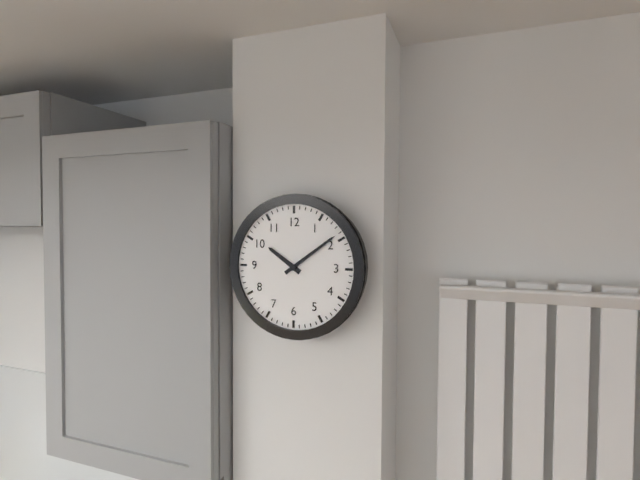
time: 10:09
